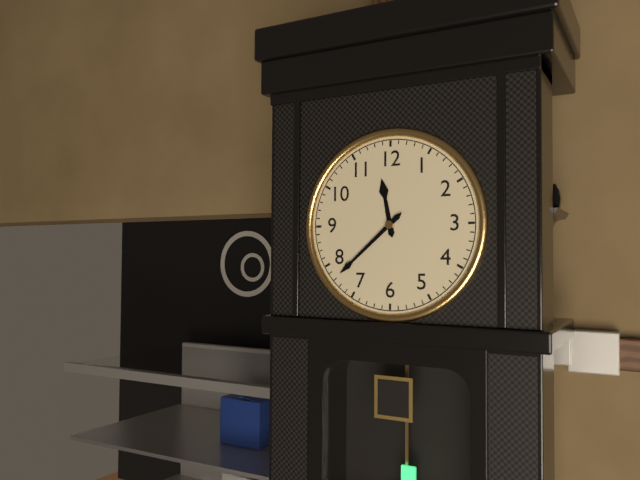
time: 11:38
